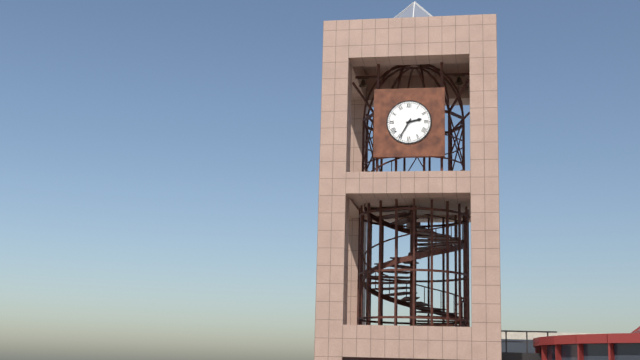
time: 2:35
